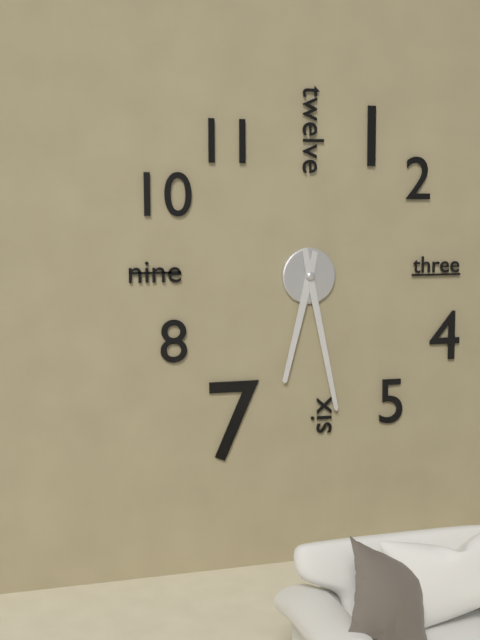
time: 6:28
